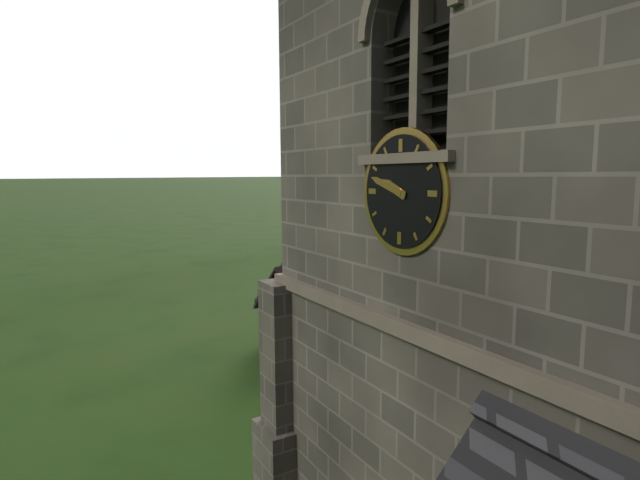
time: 9:48
